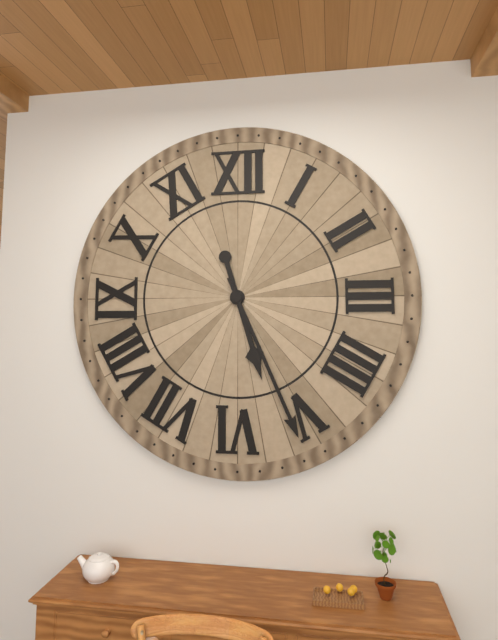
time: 5:26
